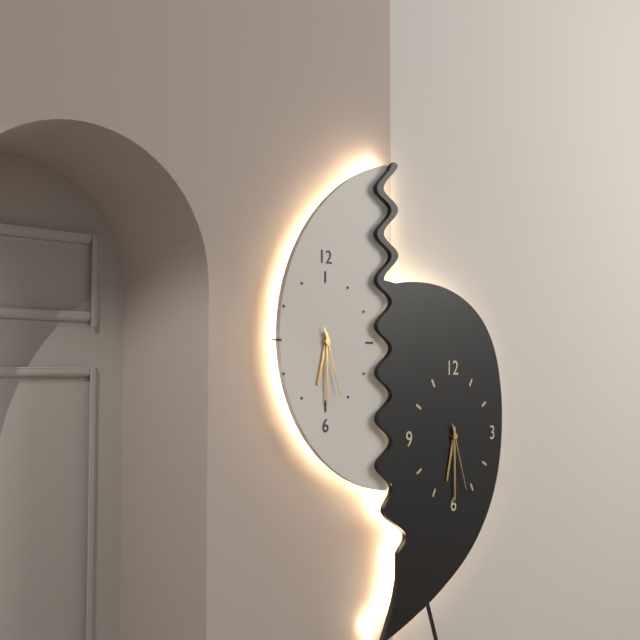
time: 6:30:27
